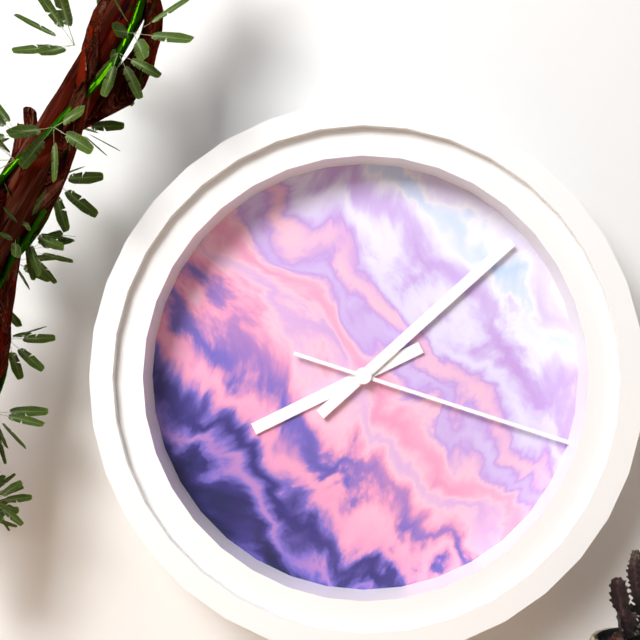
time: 8:08:18
